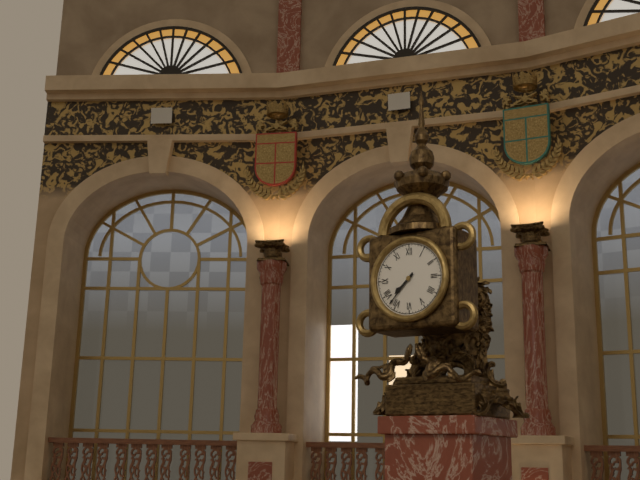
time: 7:37
